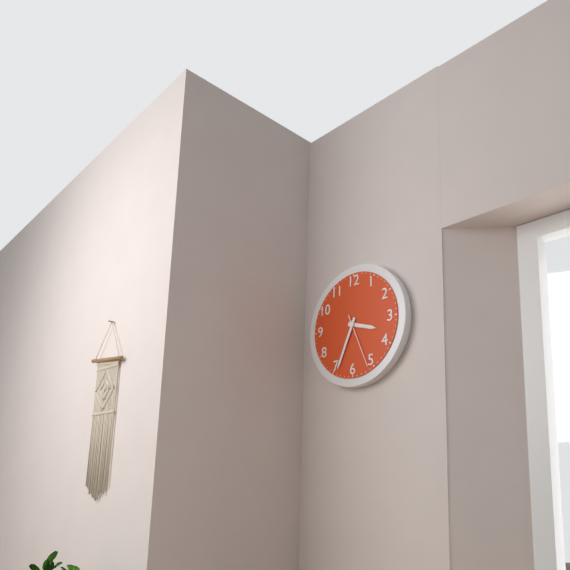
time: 3:34:26
